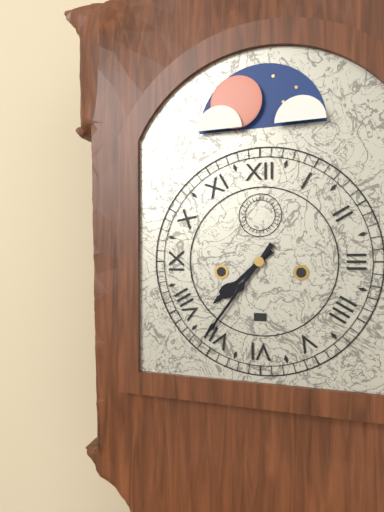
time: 7:36
